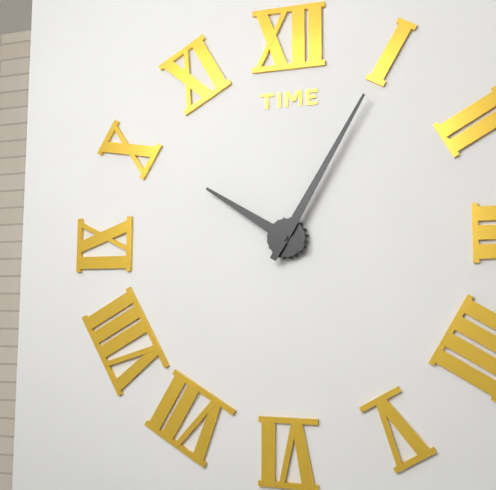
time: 10:05
